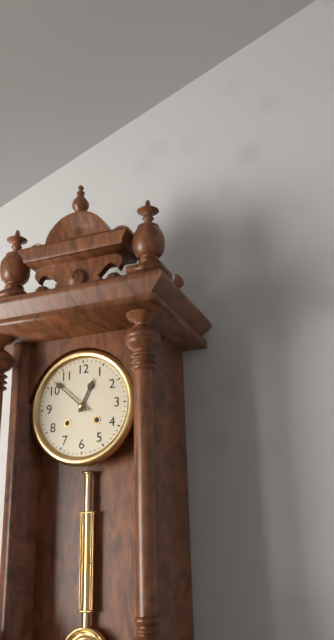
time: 12:52
